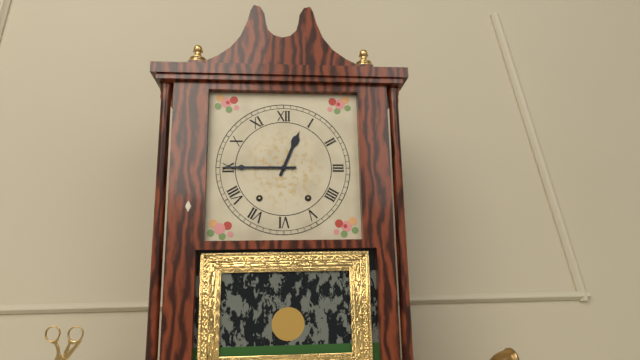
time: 12:45
